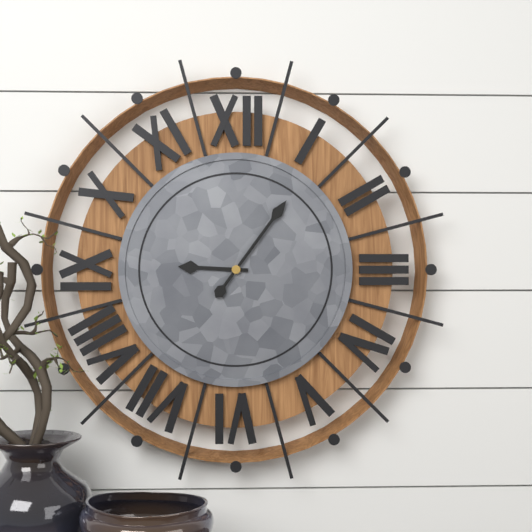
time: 9:06
